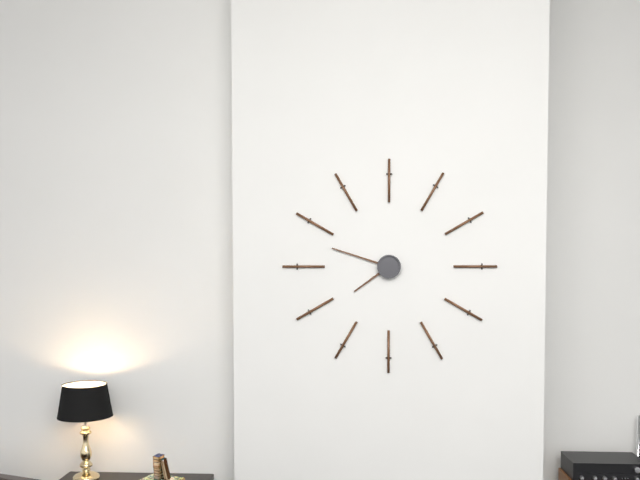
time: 7:48
